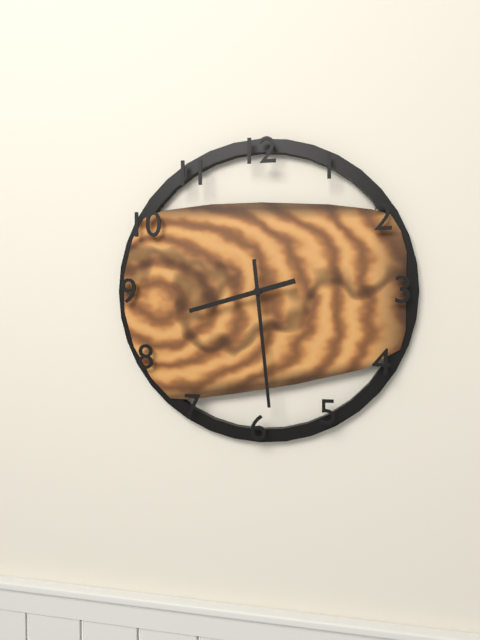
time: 8:29
